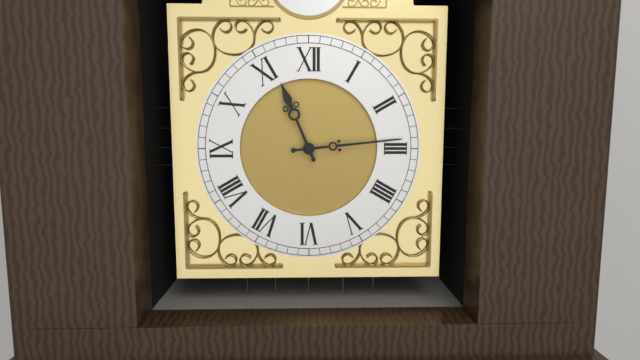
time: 11:14
